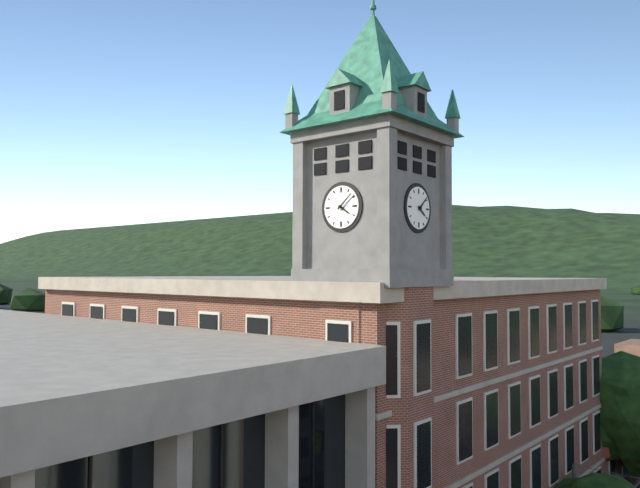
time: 4:08
